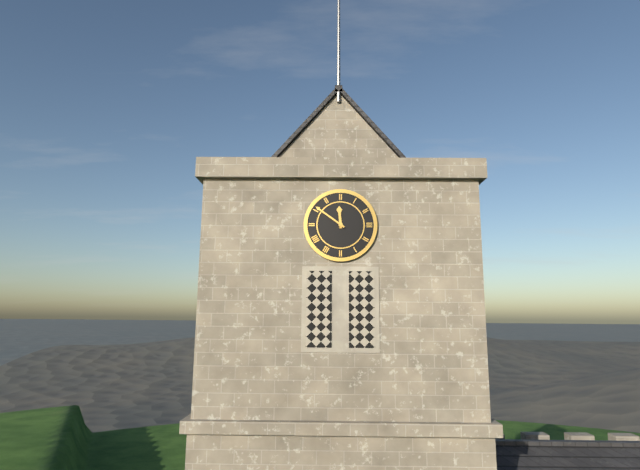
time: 11:51
